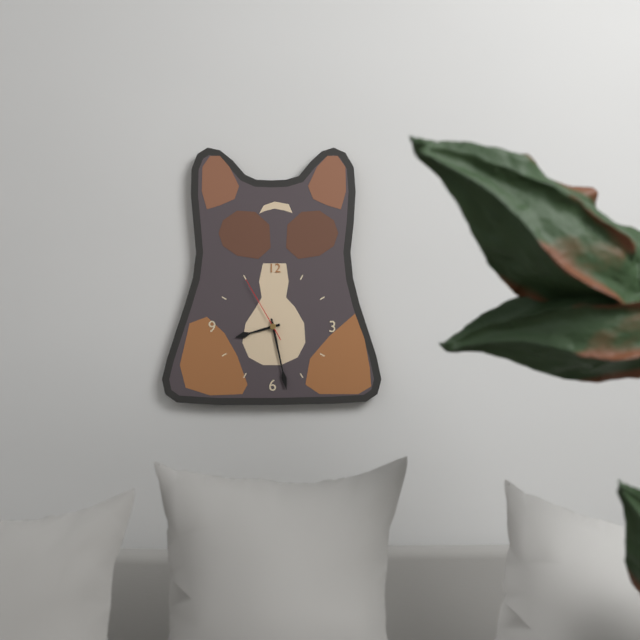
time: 8:28:55
